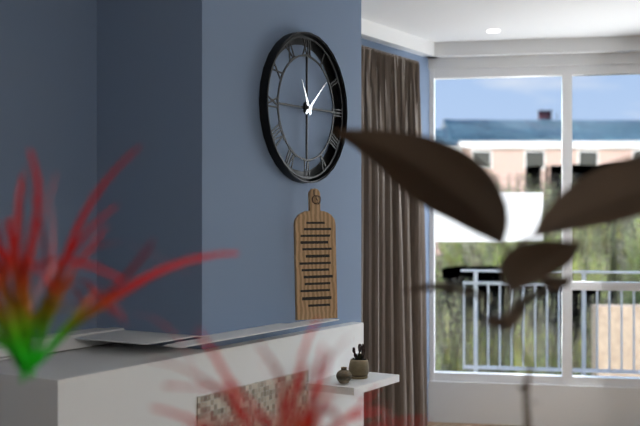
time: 11:08
